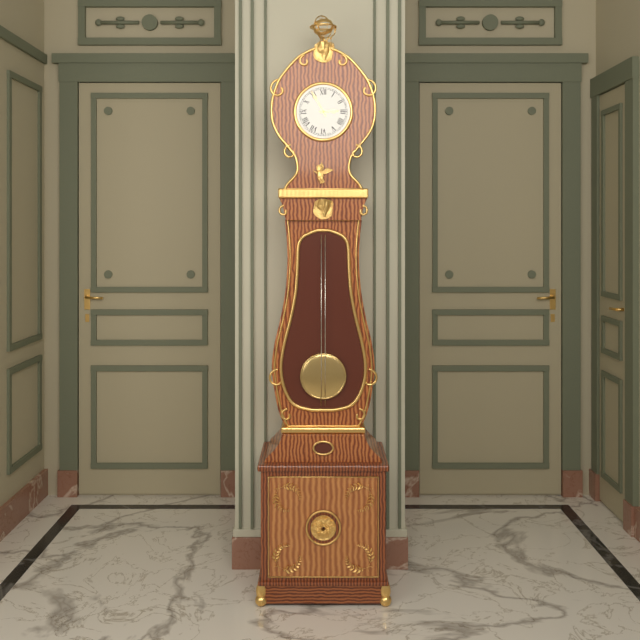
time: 2:55
